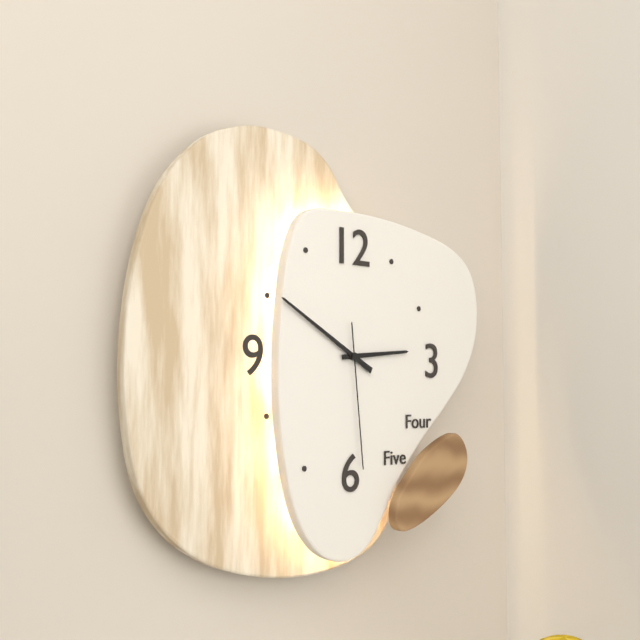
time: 2:50:29
